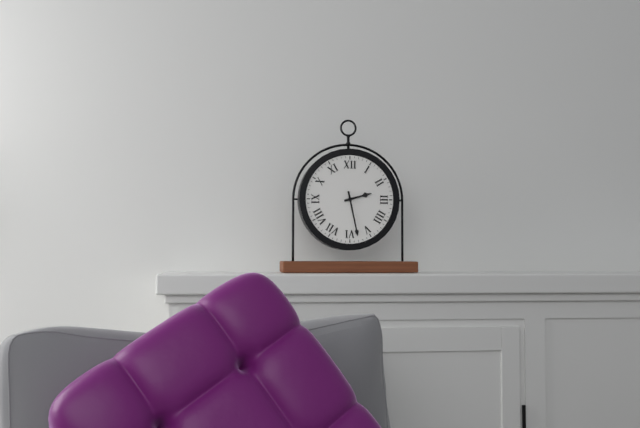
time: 2:28
